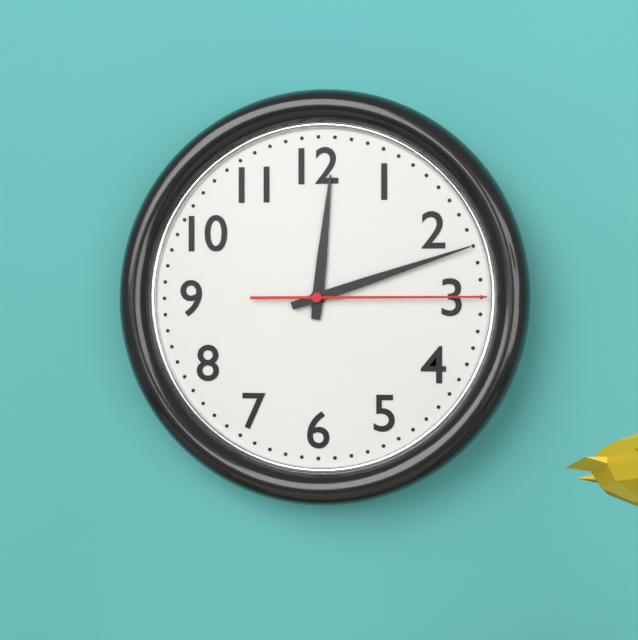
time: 12:12:15
